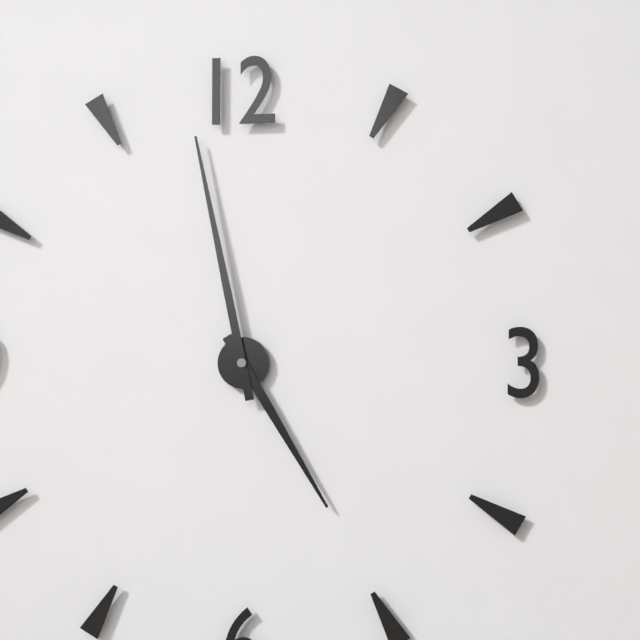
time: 4:58
